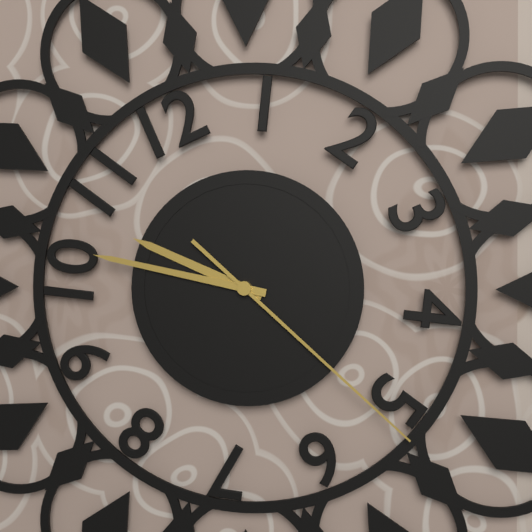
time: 9:47:22
